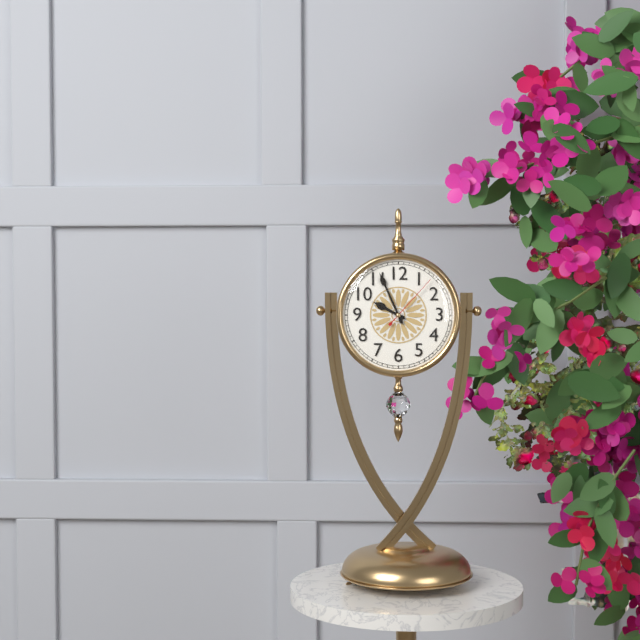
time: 9:56:07
